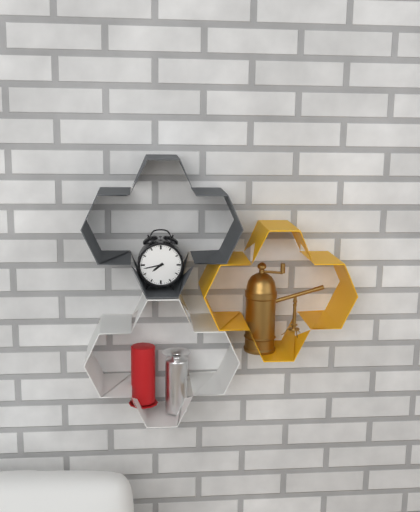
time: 7:43
